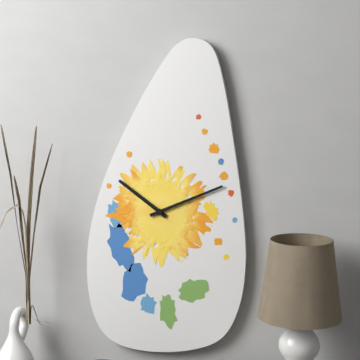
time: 10:11
